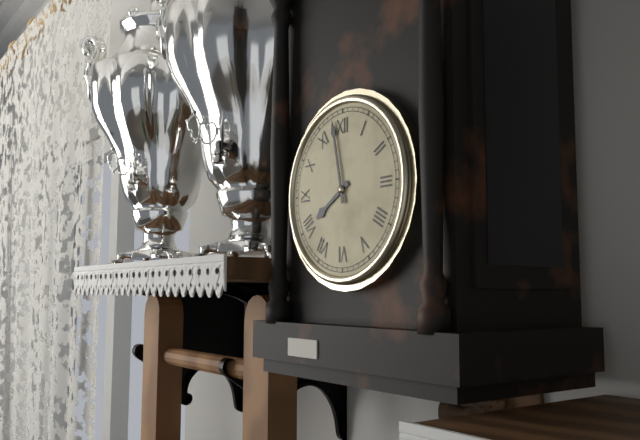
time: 7:58
